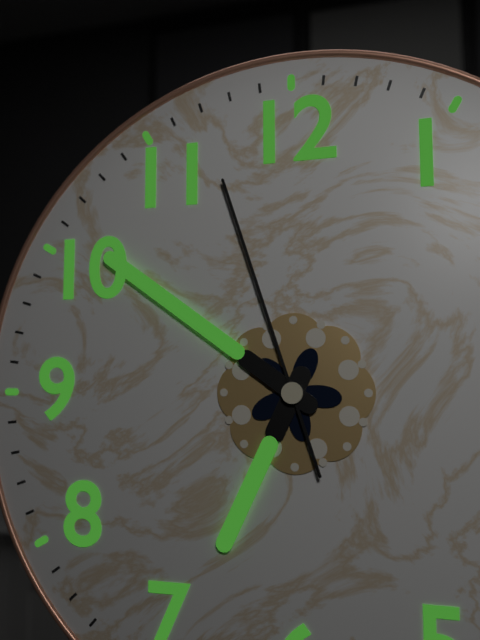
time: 6:51:57
